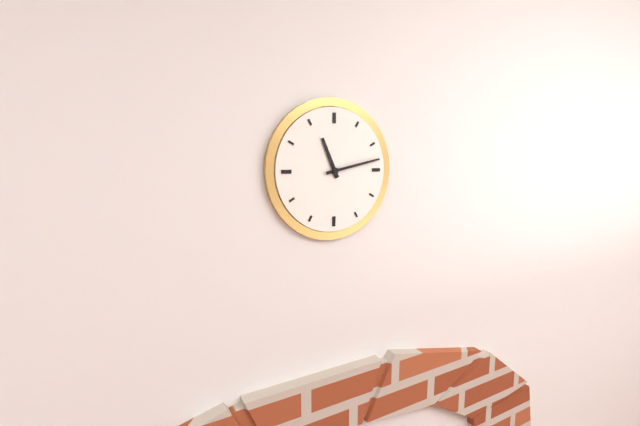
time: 11:13
